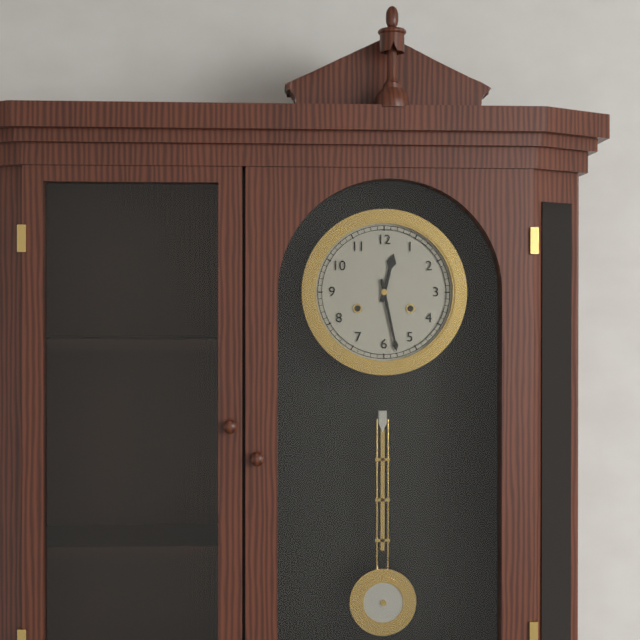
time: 12:28
